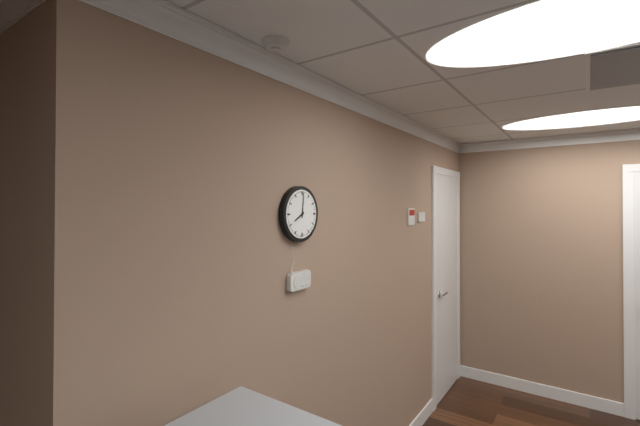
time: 8:01
